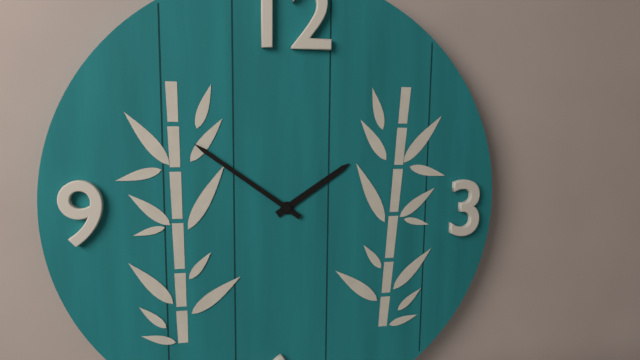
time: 1:51
